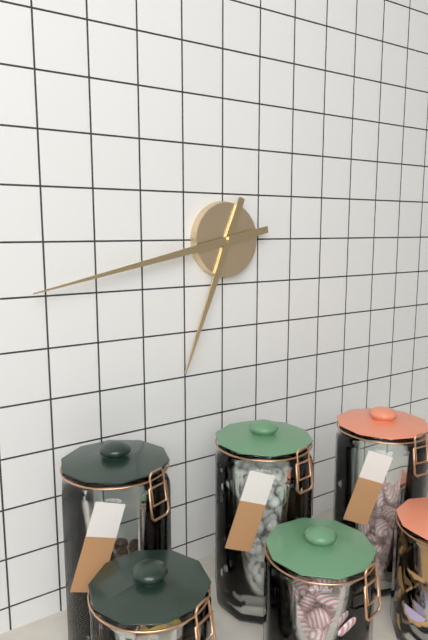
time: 6:43
